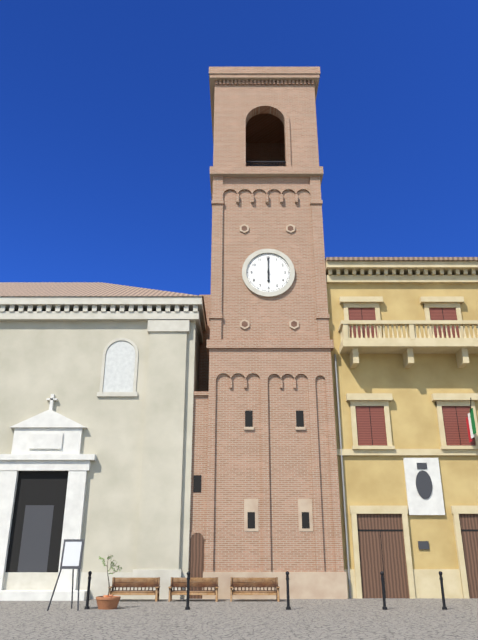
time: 6:00
